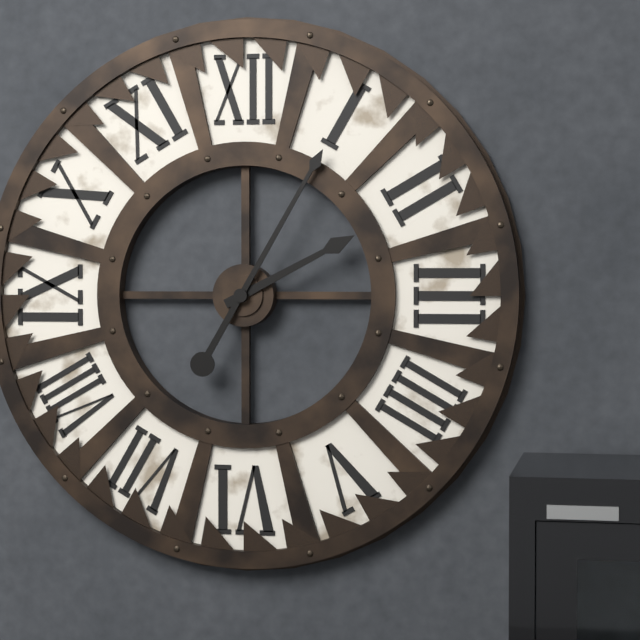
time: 2:05
